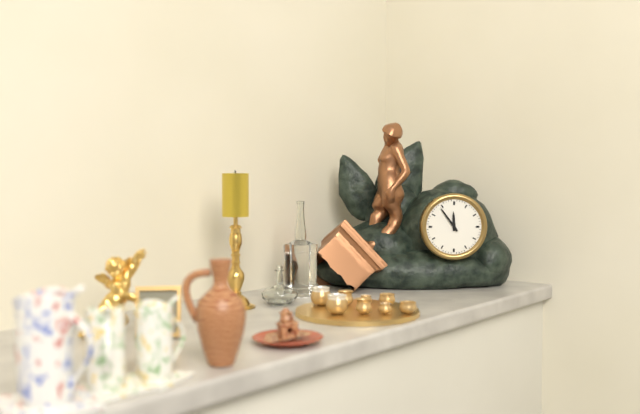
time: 11:54
